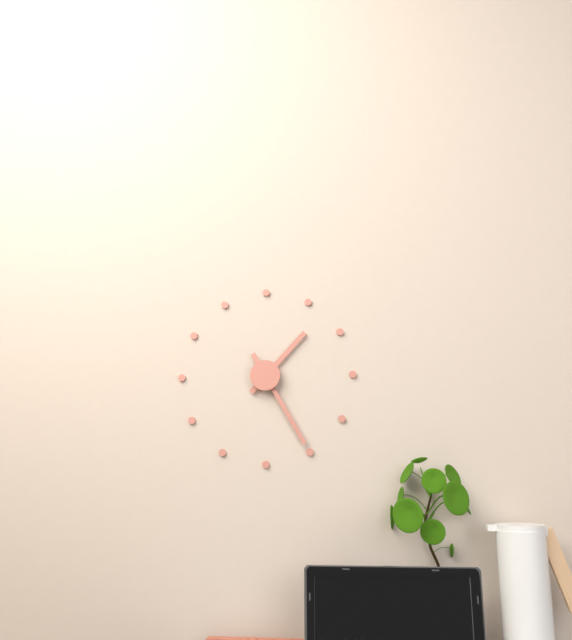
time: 1:25
